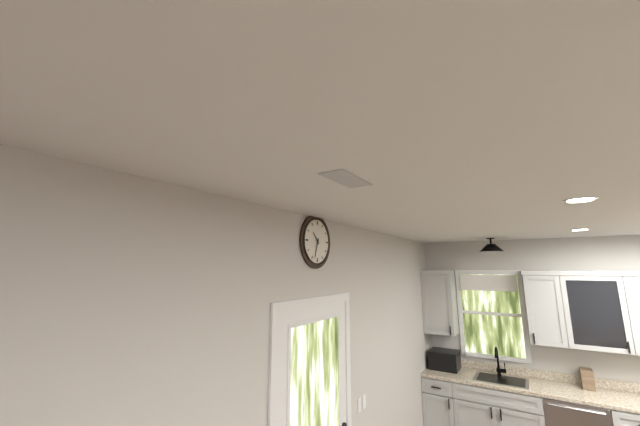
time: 10:33
